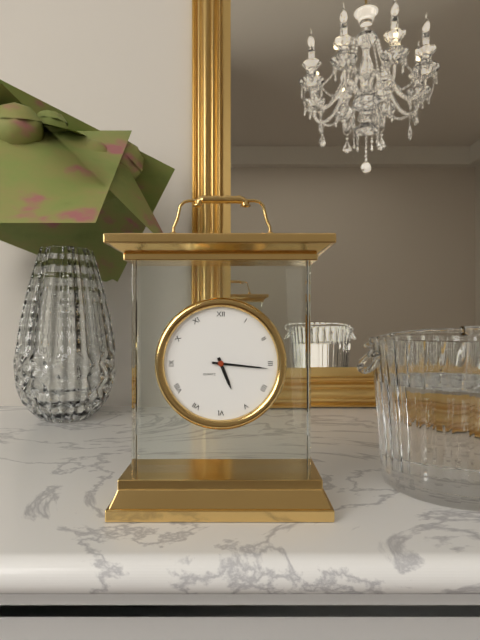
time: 5:16
